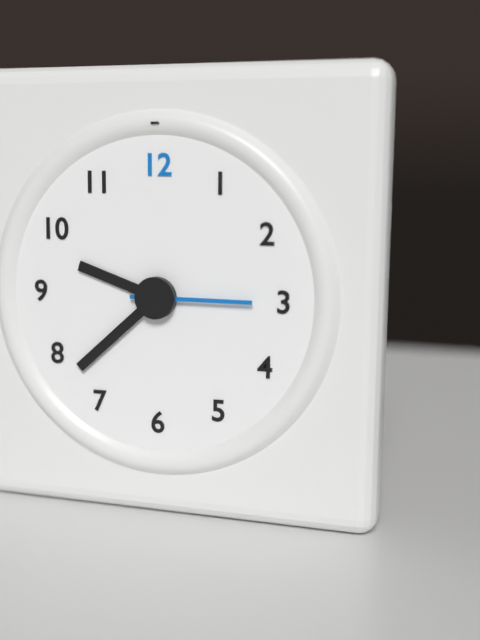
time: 9:38:15
